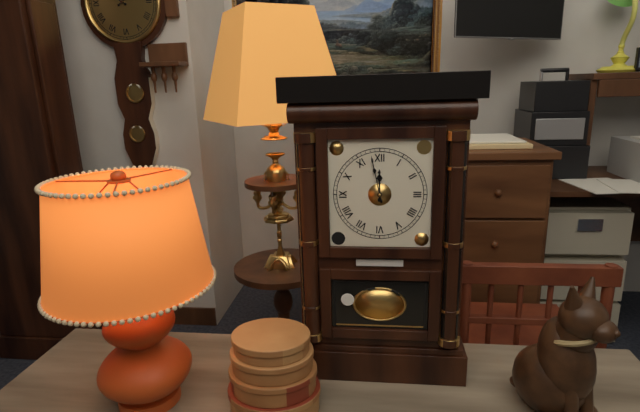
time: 11:58
